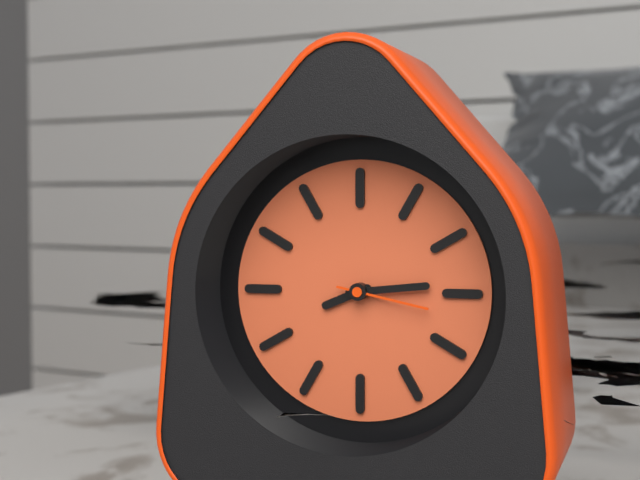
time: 8:14:17
